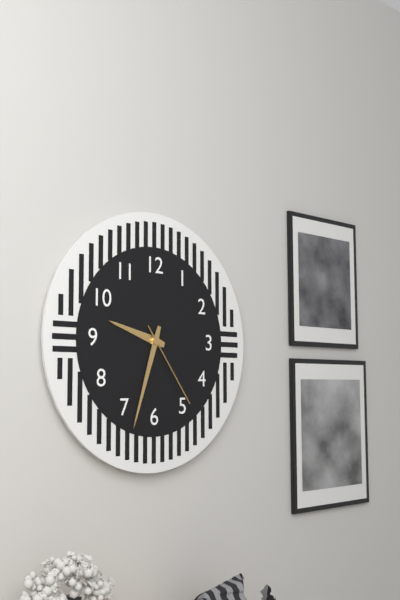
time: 9:33:24
